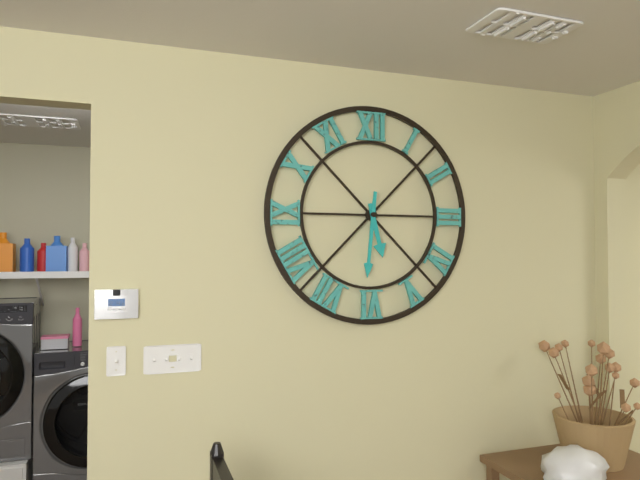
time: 5:31
